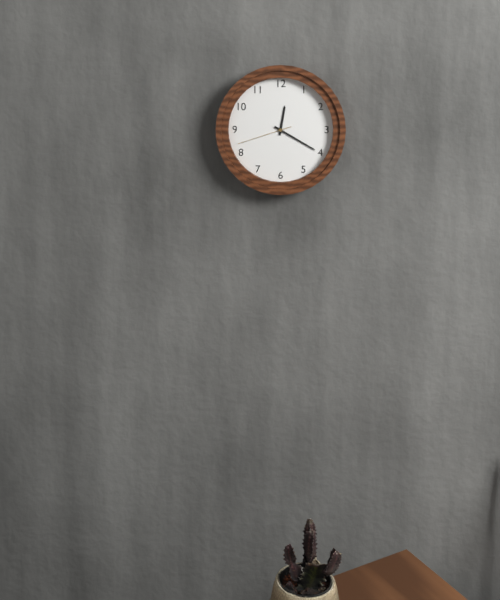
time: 12:20:42
